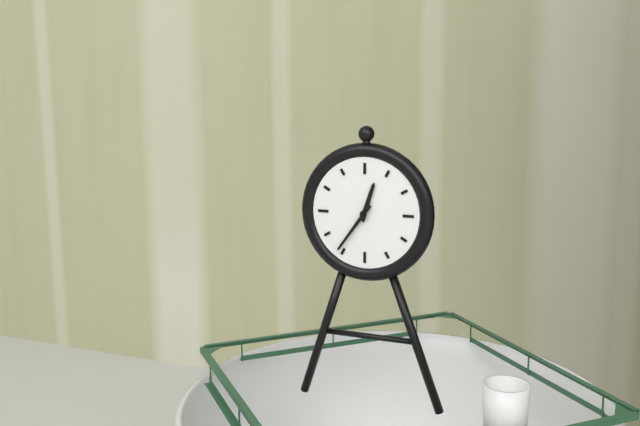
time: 12:36
